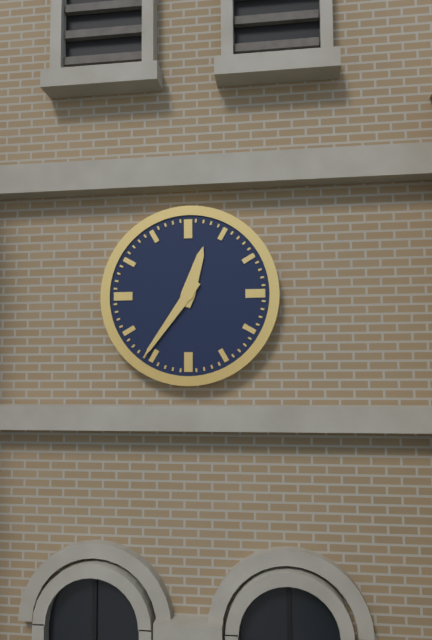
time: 12:36
